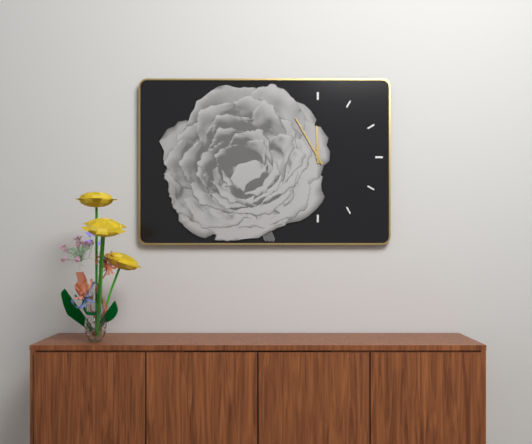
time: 11:55
